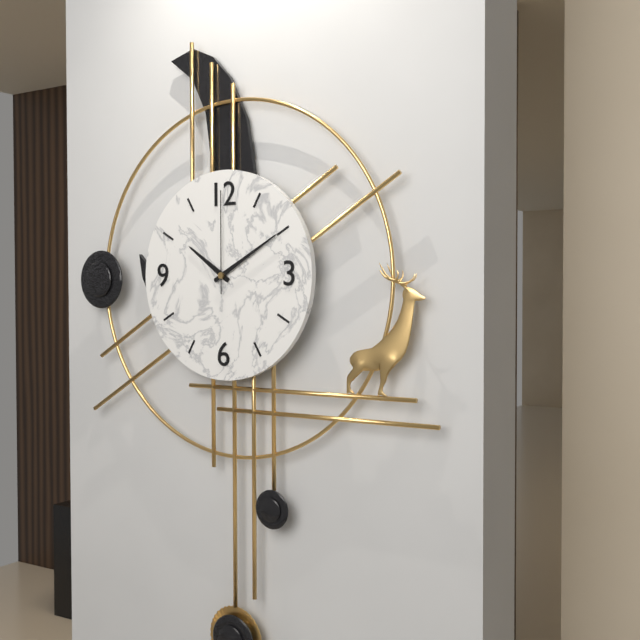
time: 10:10:00
